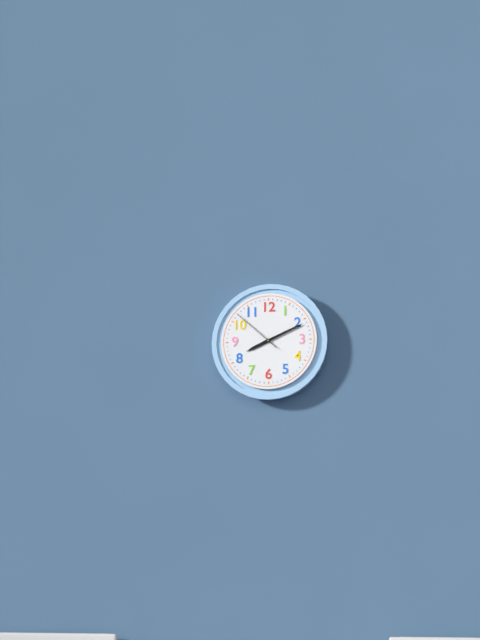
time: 8:11:52
